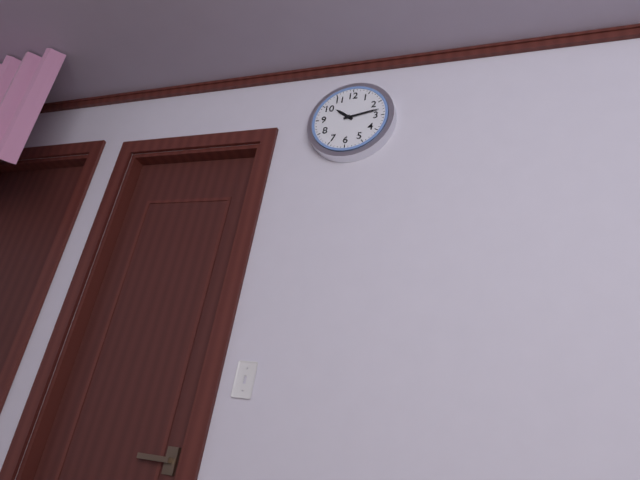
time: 10:13
